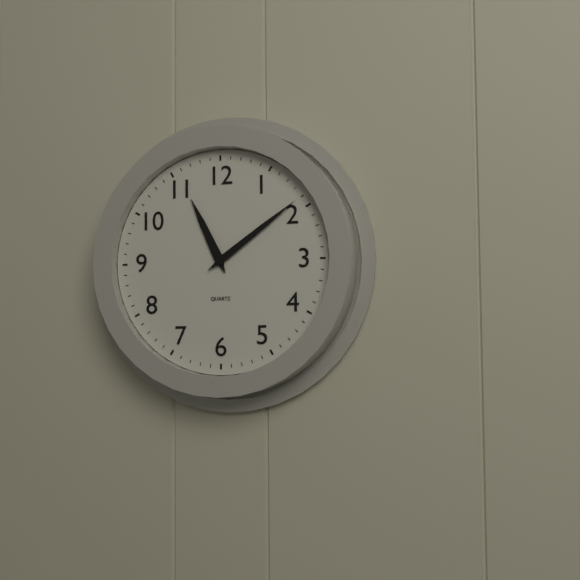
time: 11:09
